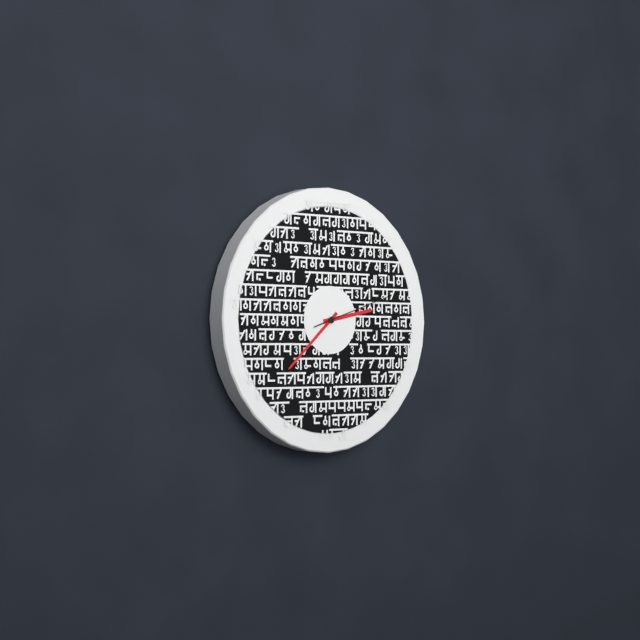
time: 2:38:12
